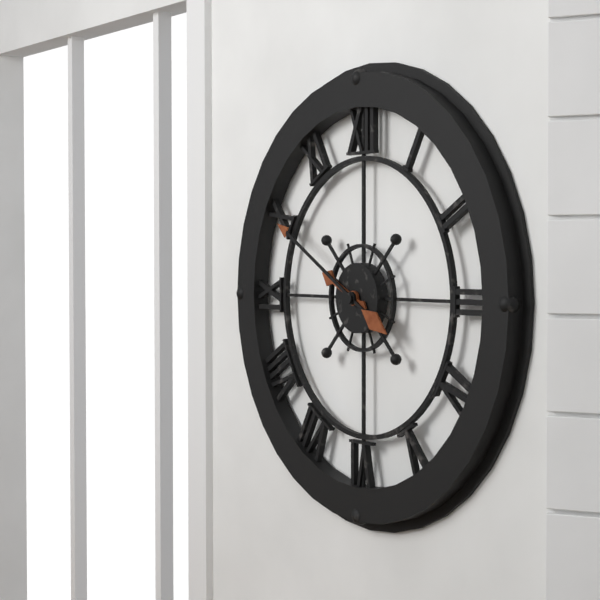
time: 9:50
